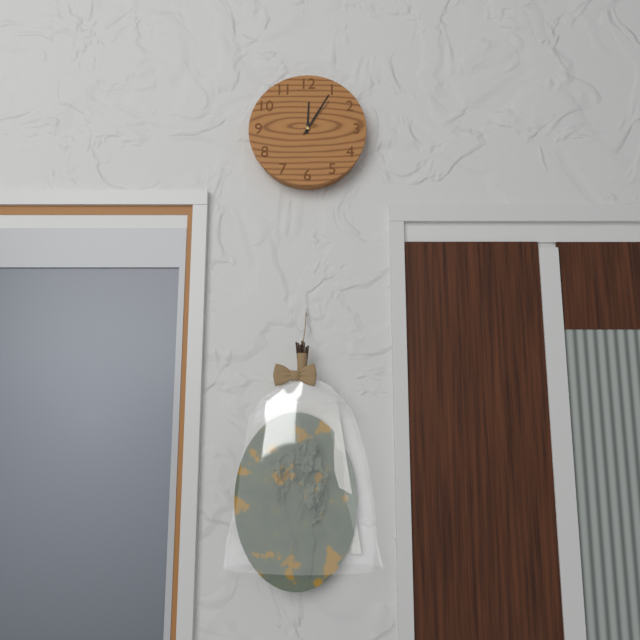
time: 12:05
